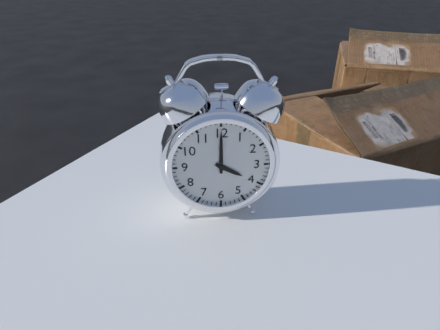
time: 4:00
